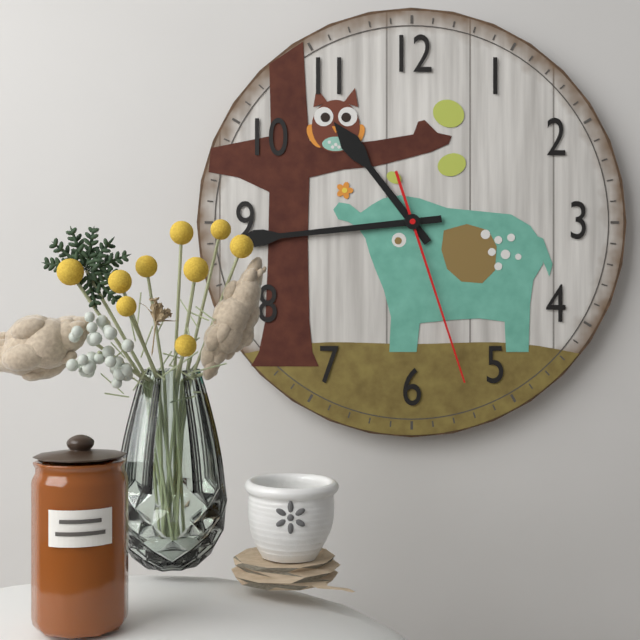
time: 10:44:27
